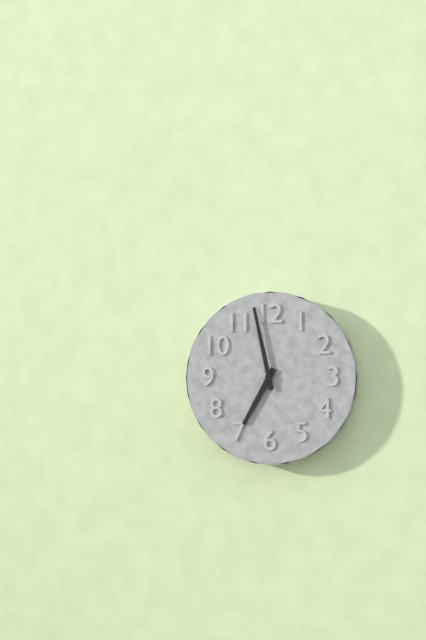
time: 6:58
